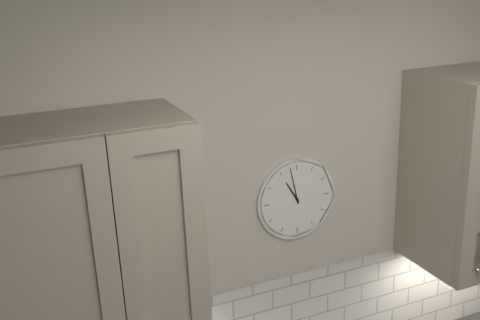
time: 10:58
